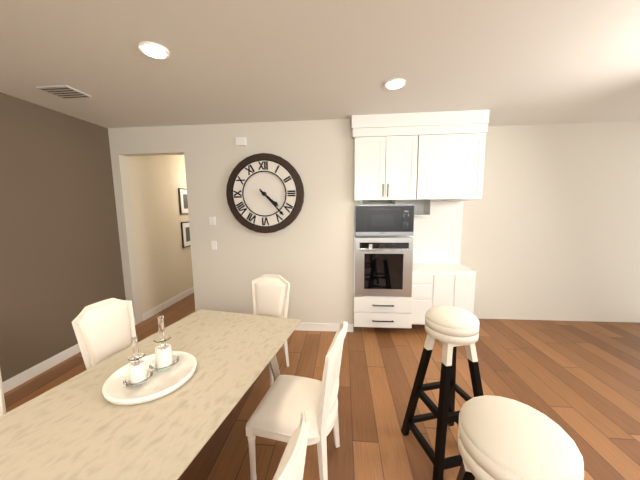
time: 4:23
